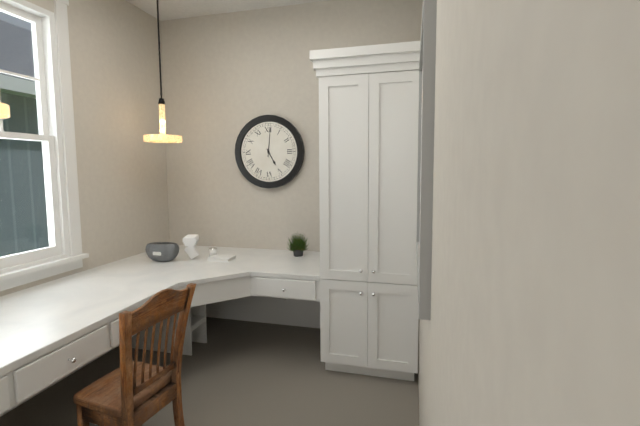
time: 5:01
